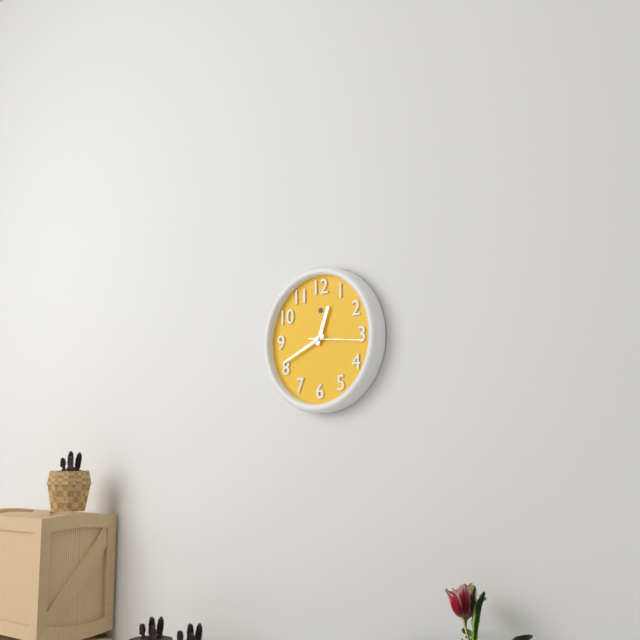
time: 12:41:16
